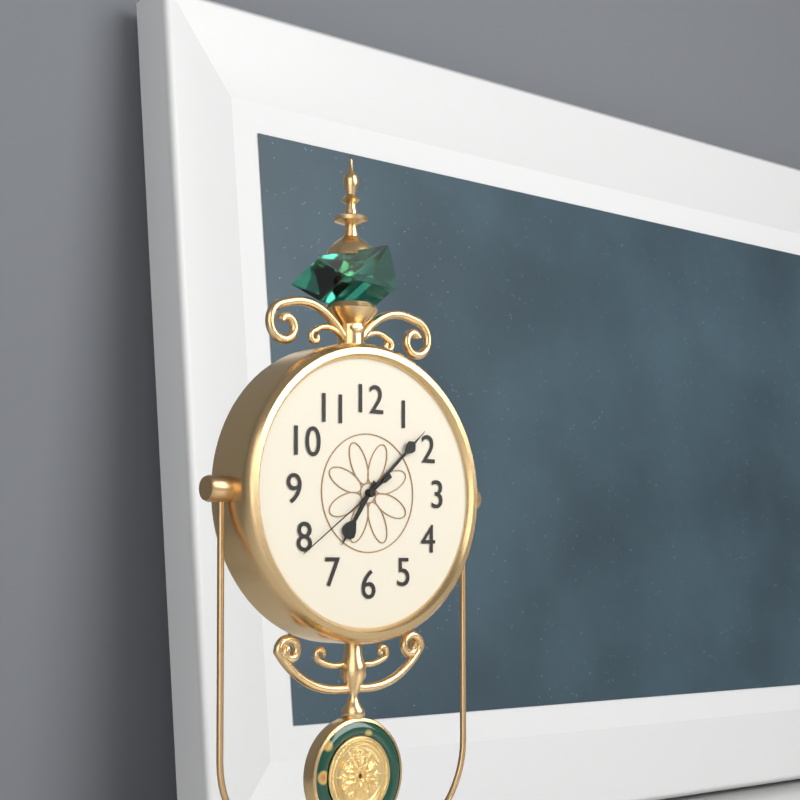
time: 7:08:39
